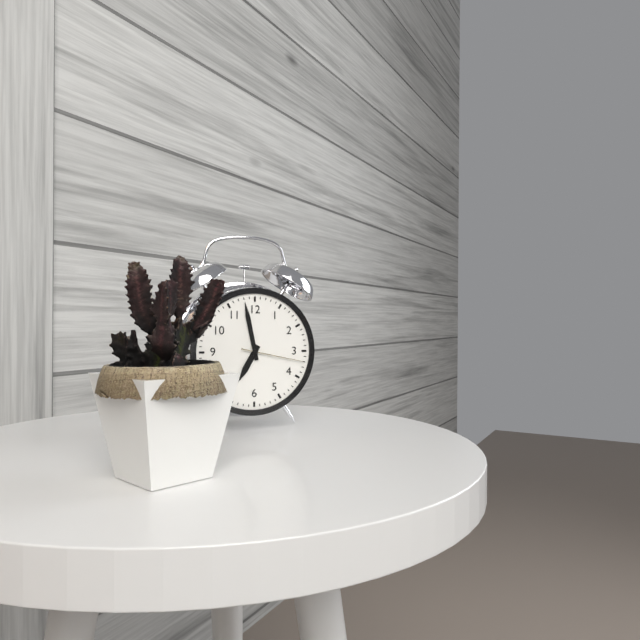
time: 6:58:17
